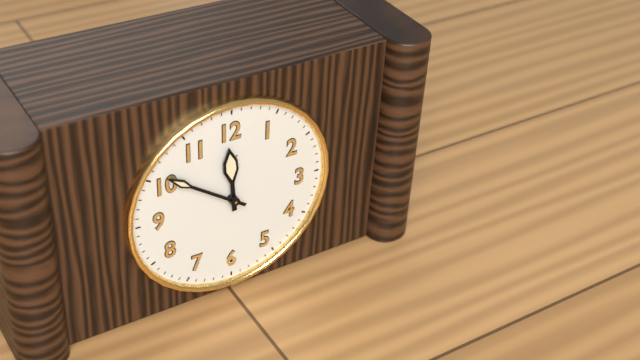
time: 11:51
